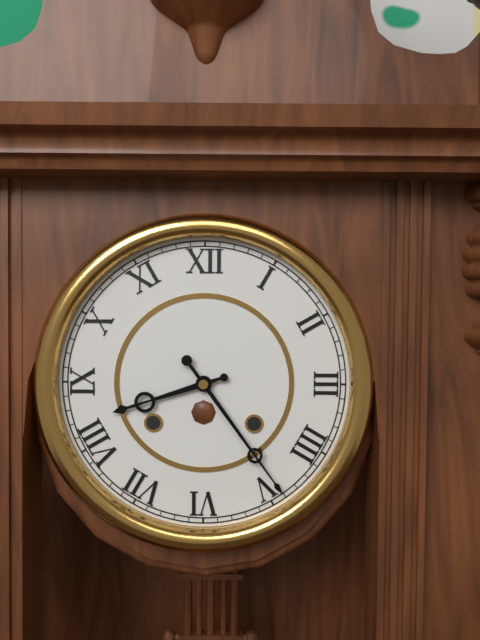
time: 8:24
